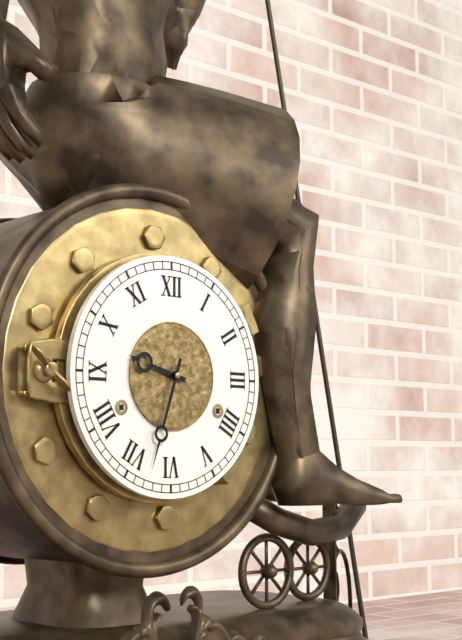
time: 9:33
